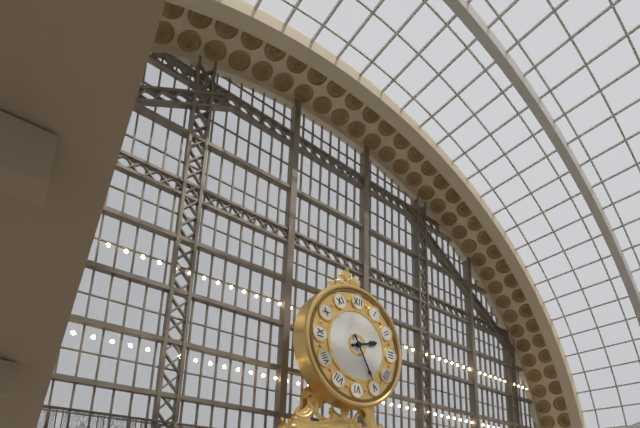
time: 2:25
